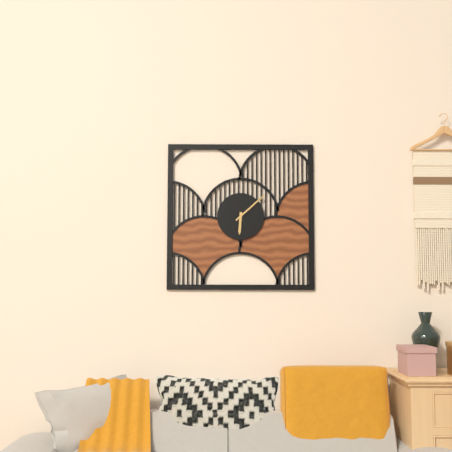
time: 6:08
